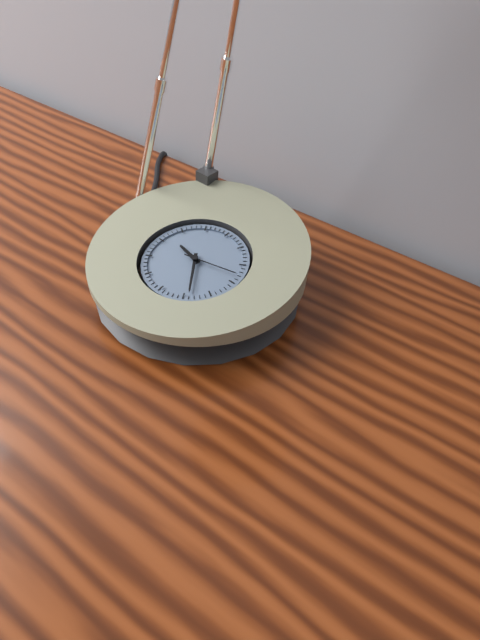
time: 9:24:13
